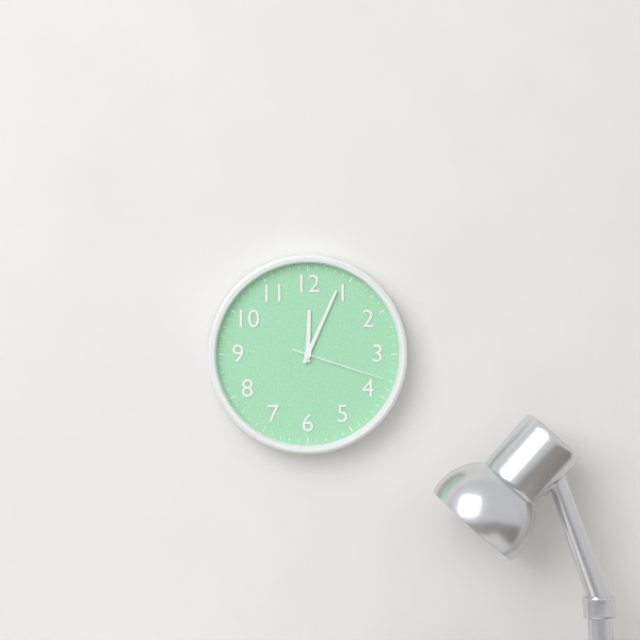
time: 12:04:18
